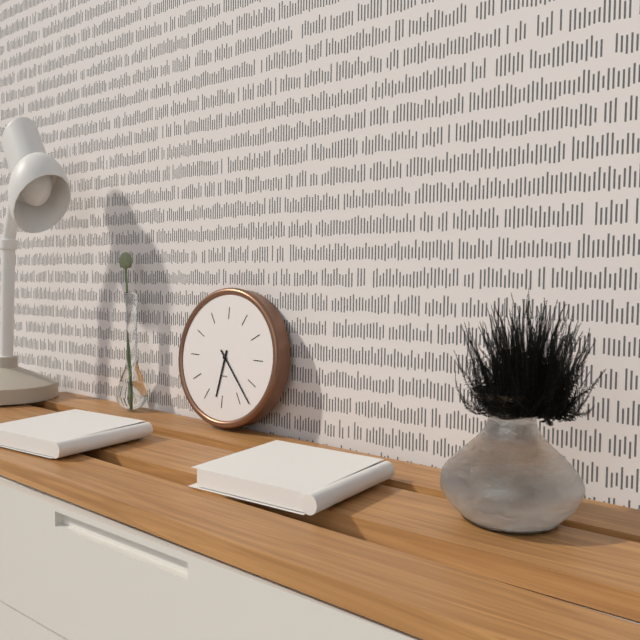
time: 6:23
